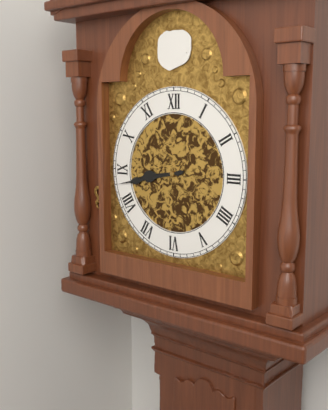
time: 8:43
